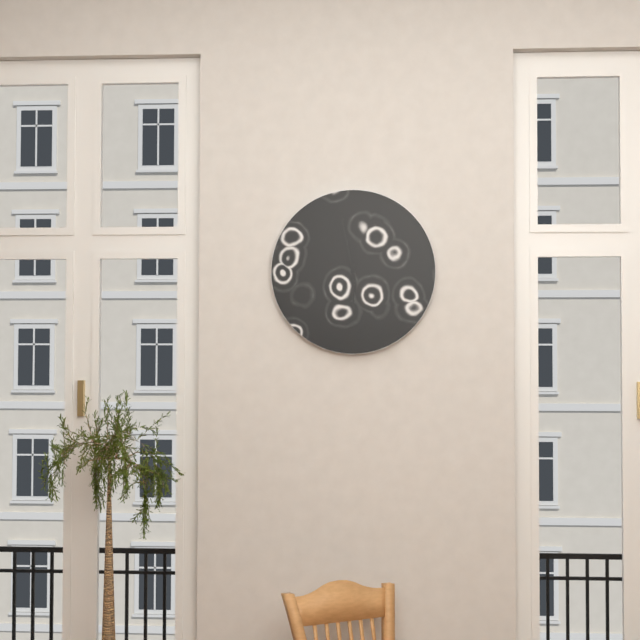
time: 5:58
